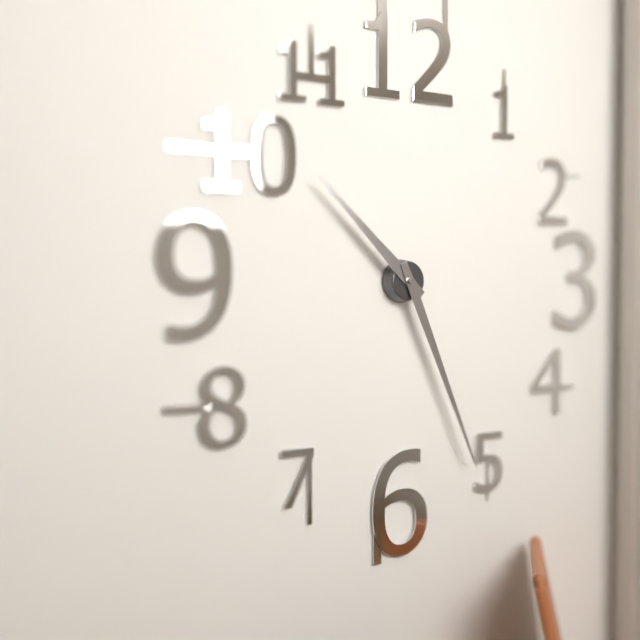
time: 10:26
